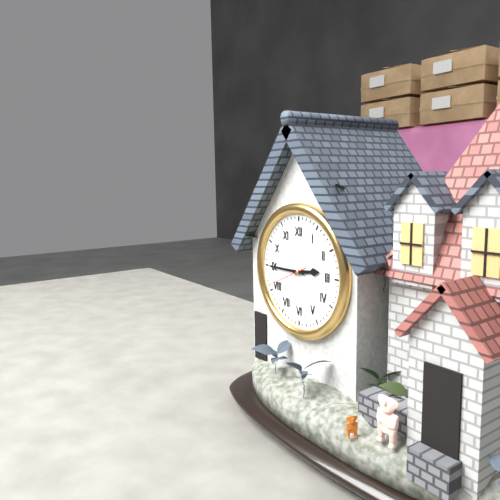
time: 2:45
